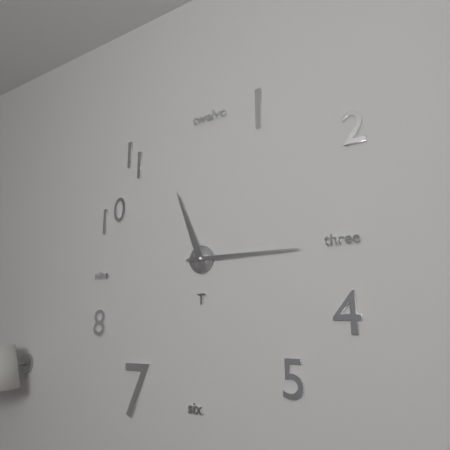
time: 11:15
